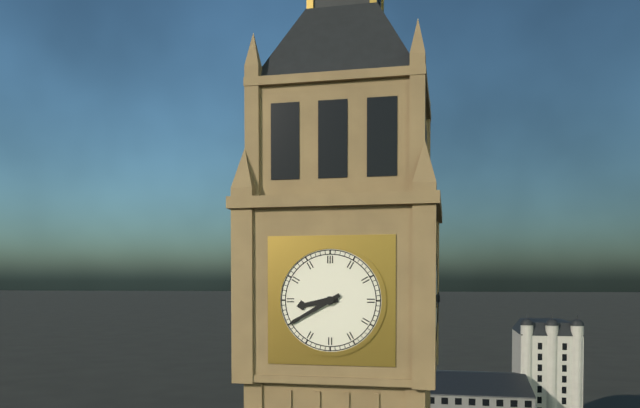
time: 8:40
